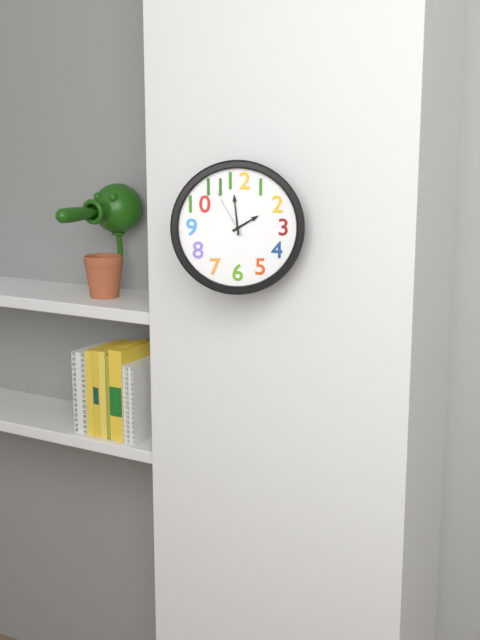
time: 1:59:55
